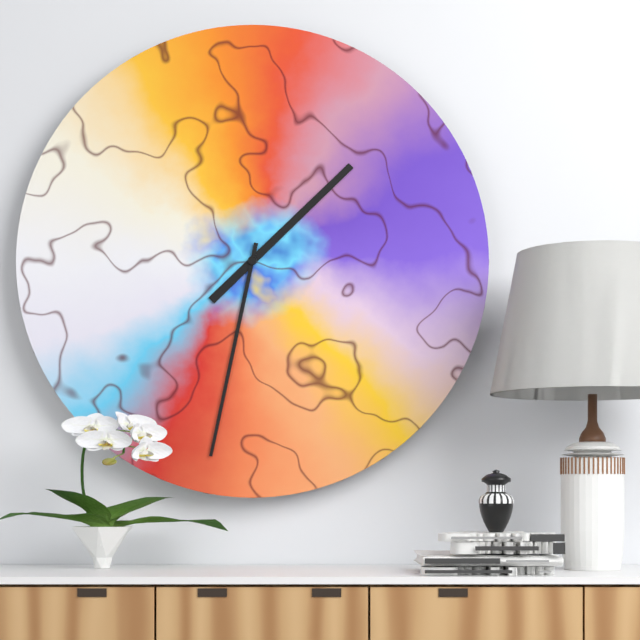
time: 1:32
